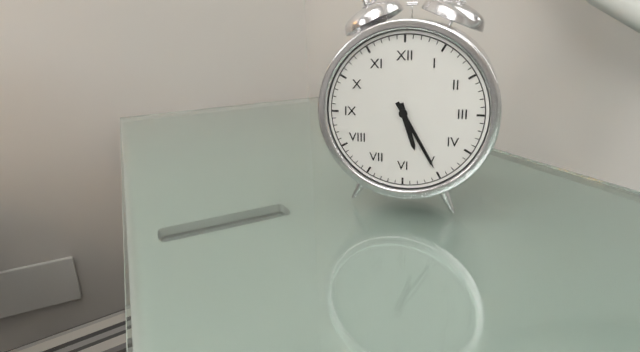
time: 5:25
